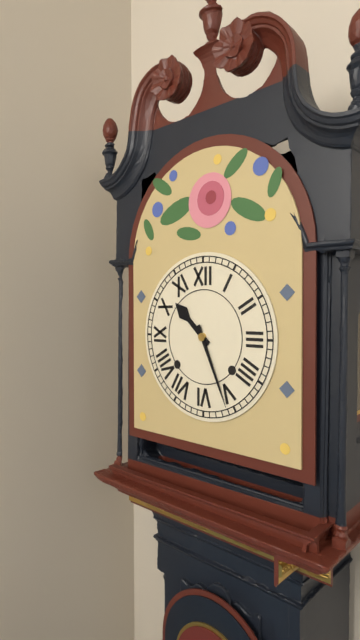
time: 10:26
